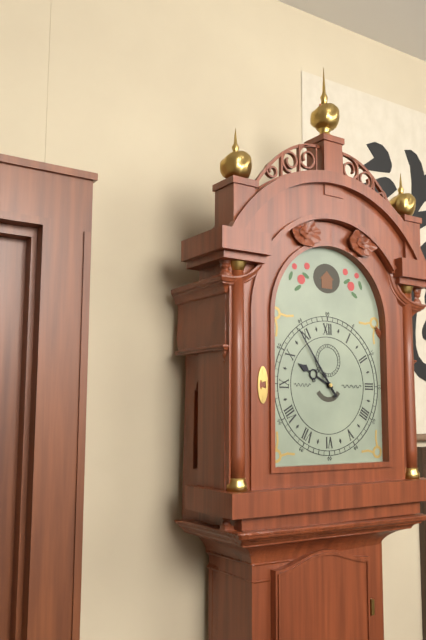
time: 9:54
